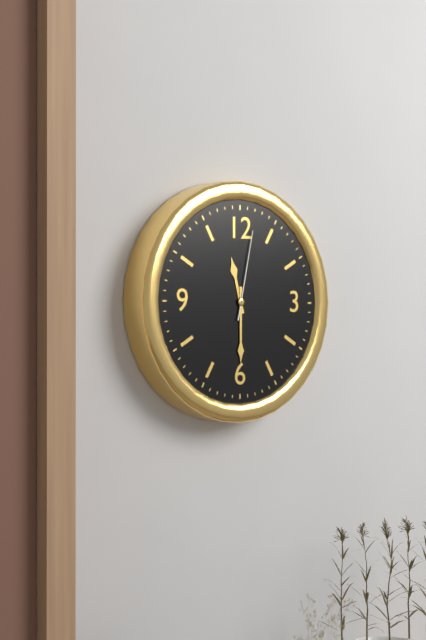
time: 11:30:02
